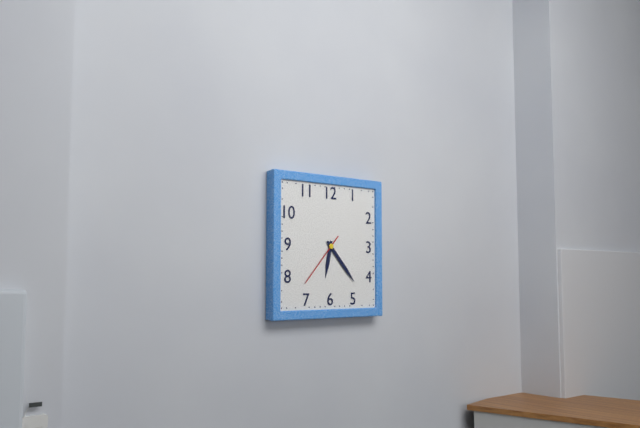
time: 6:23:37
